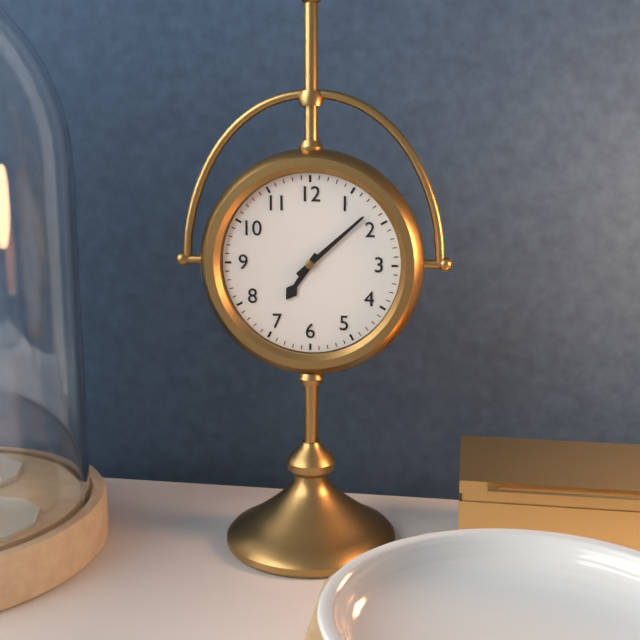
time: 7:08
